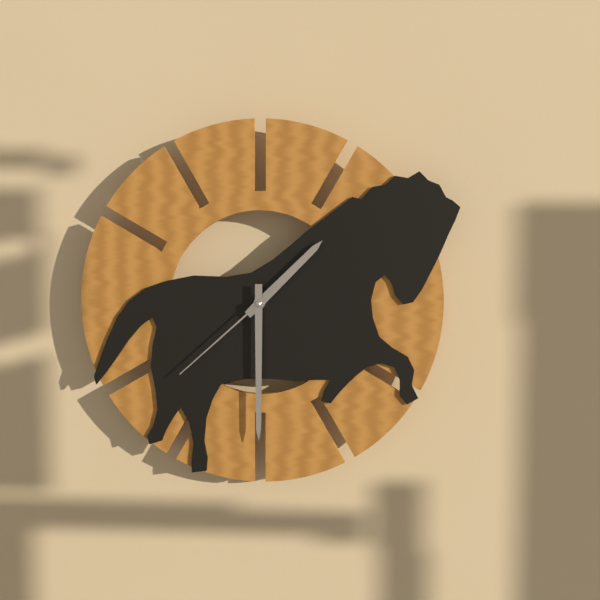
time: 1:30:38
